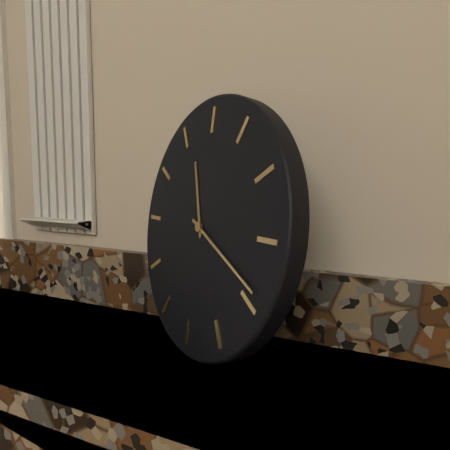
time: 11:19
